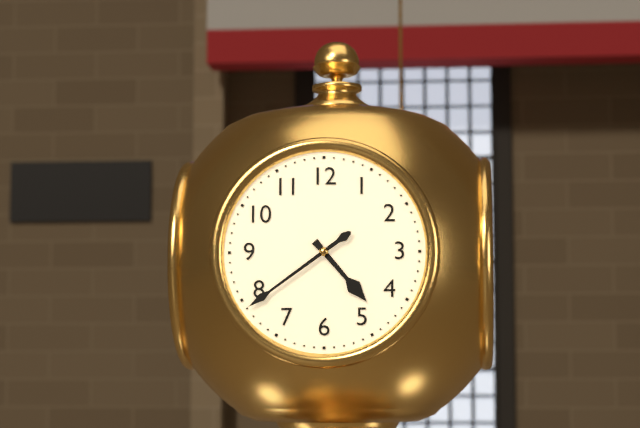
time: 4:39
